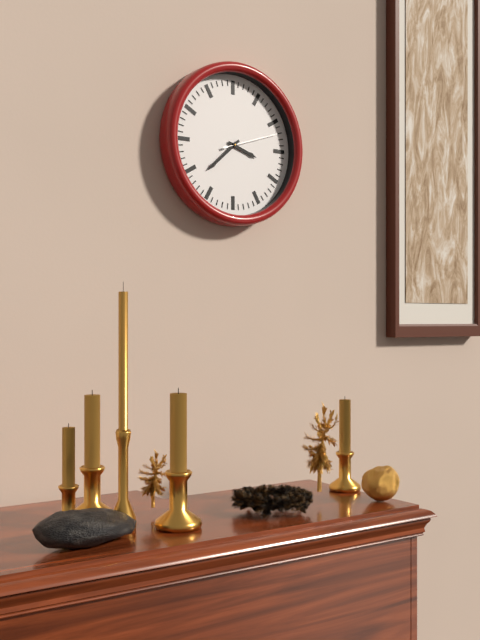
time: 3:38:12
